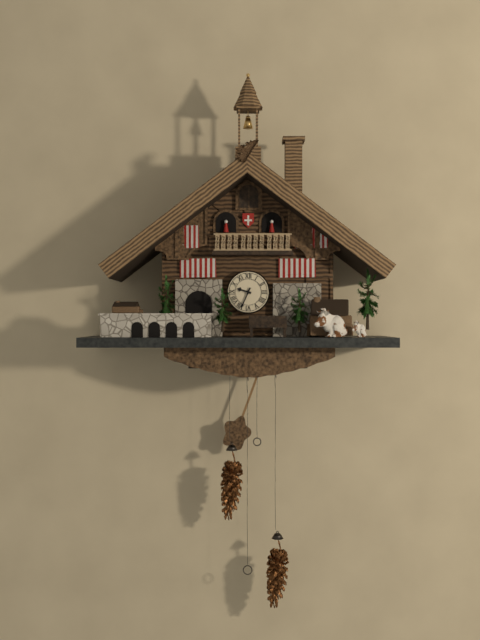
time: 9:34
